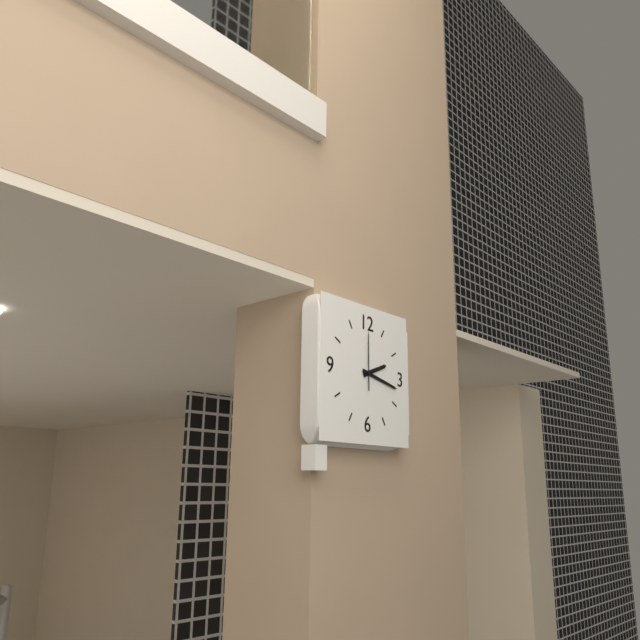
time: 2:17:00
